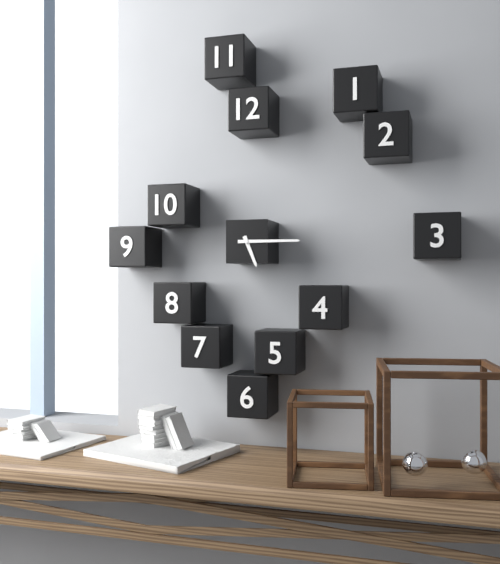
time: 5:15
